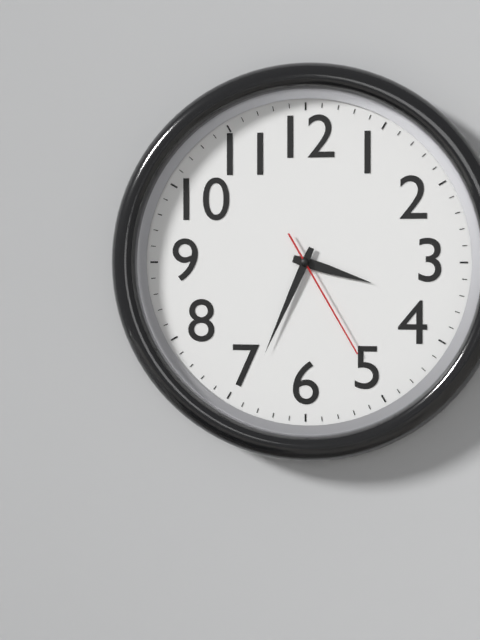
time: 3:34:25
